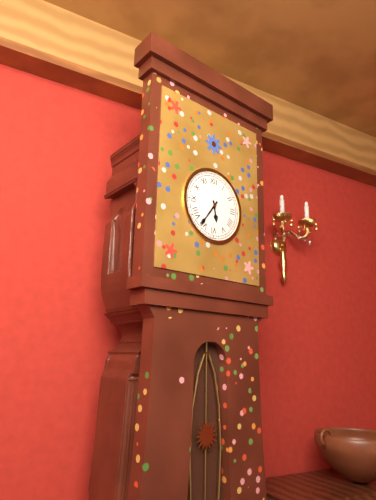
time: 5:36
